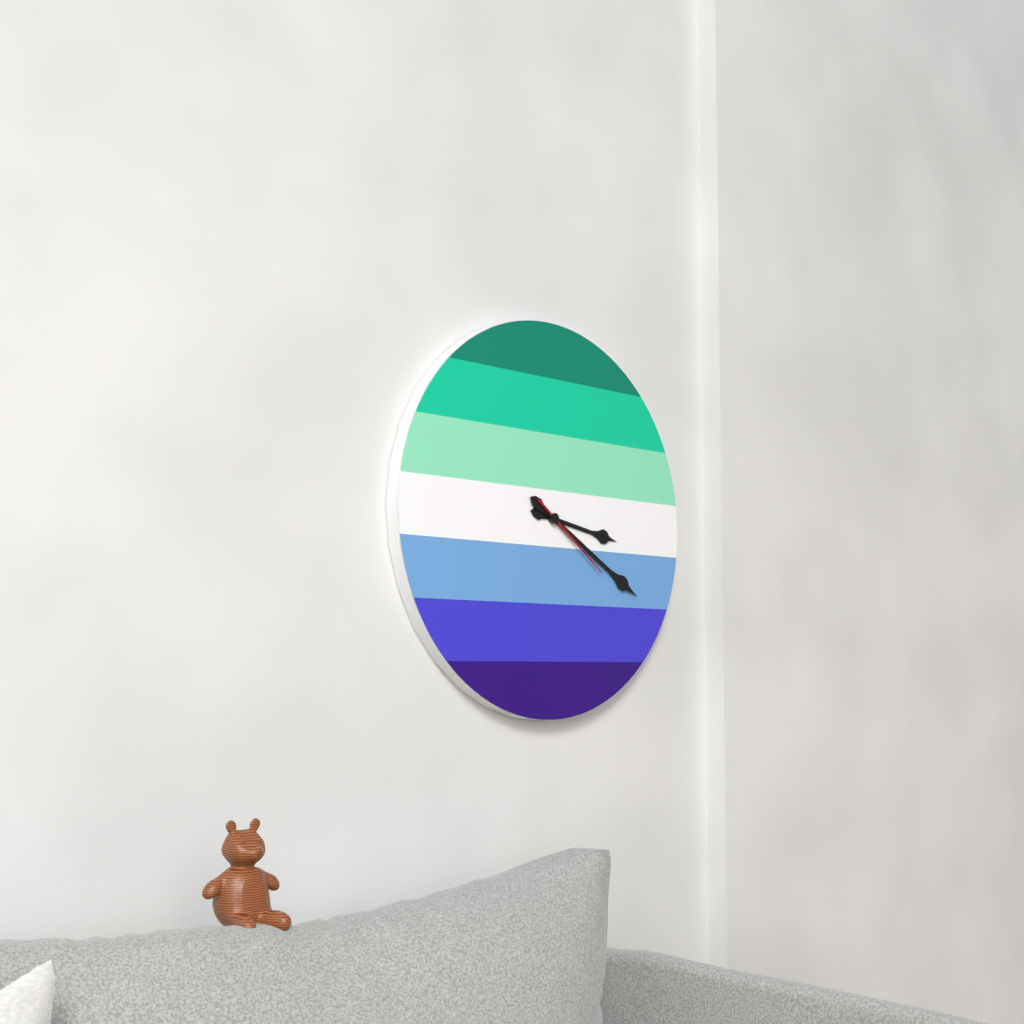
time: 3:20:21
